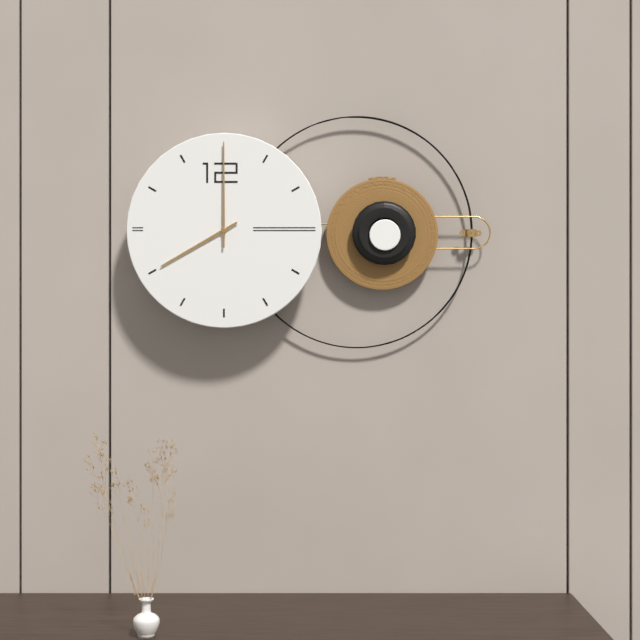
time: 8:00
